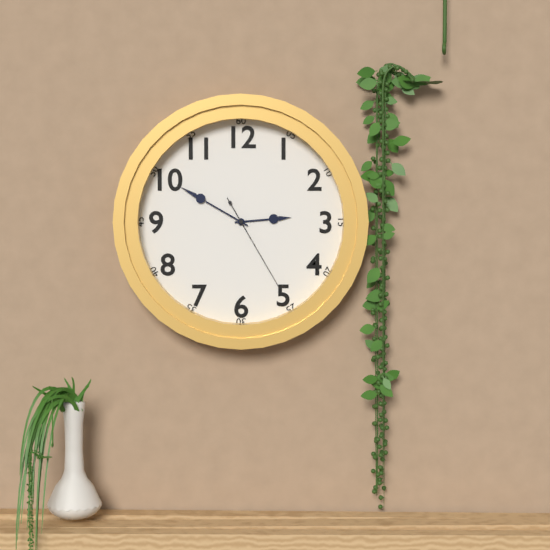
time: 2:50:25
